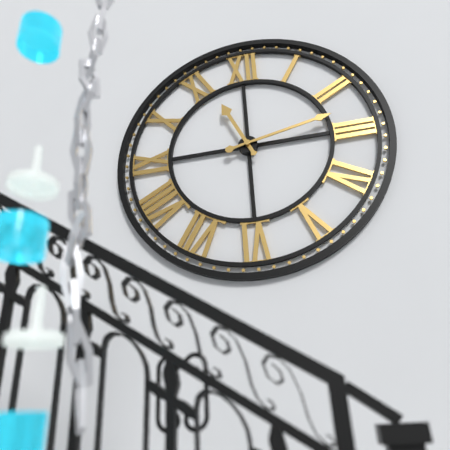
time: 11:13
